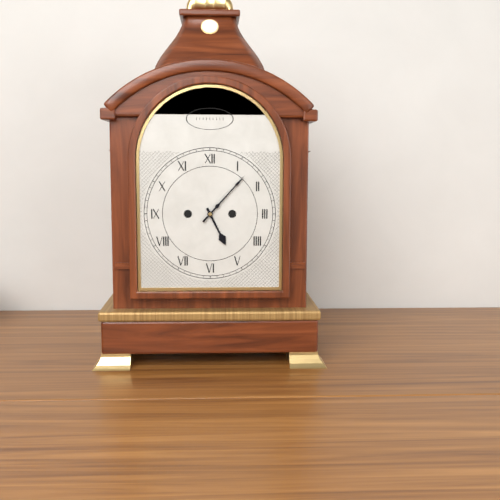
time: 5:07
